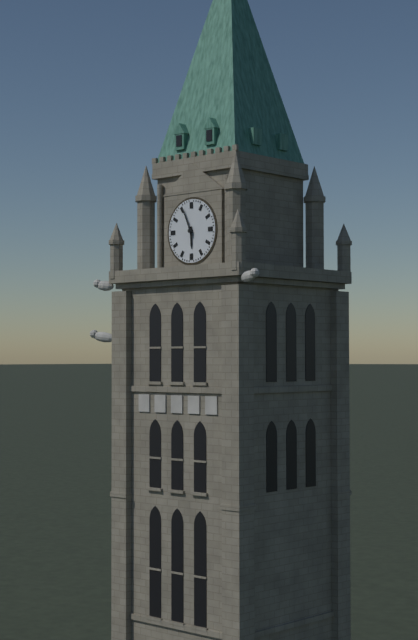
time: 5:56
